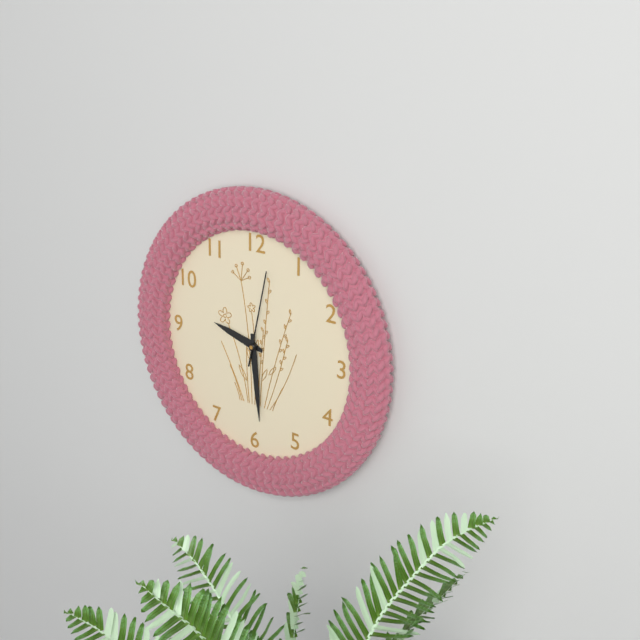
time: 9:29:02
